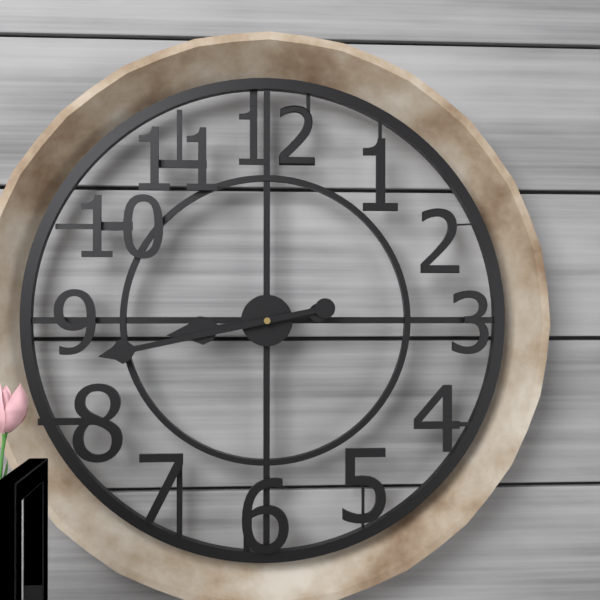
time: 8:43
